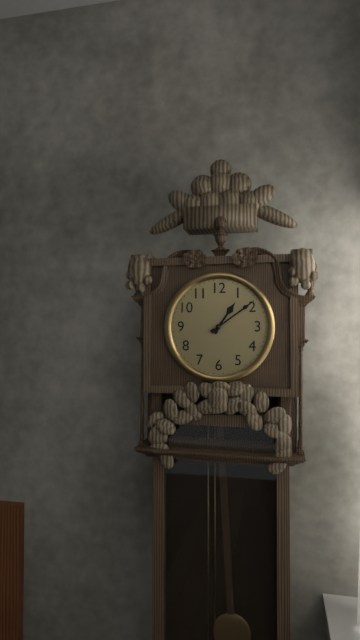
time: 1:09
